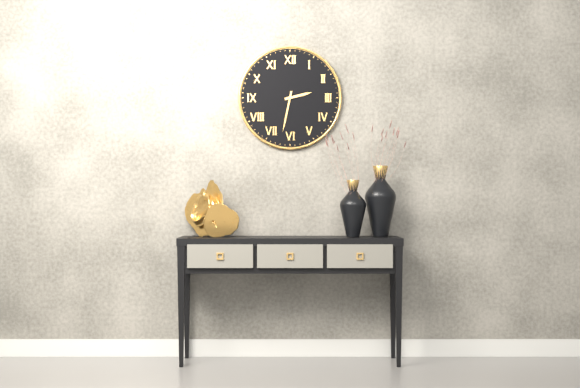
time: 2:32
